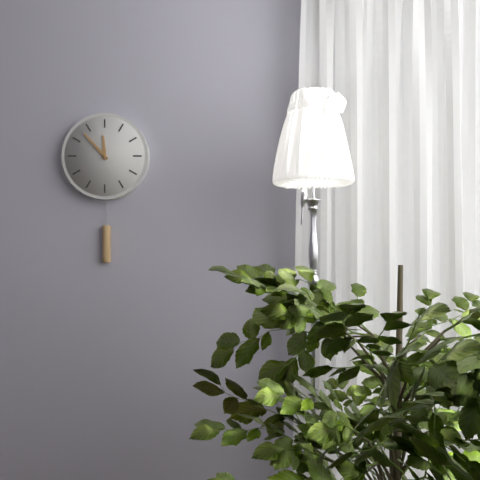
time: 11:53
